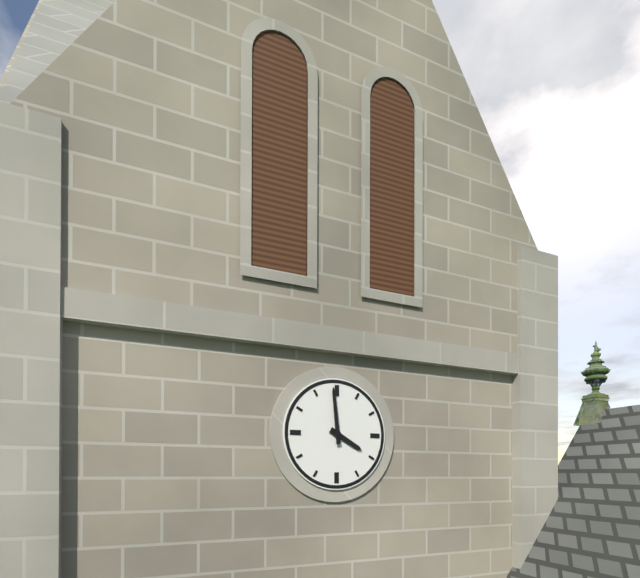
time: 3:59
